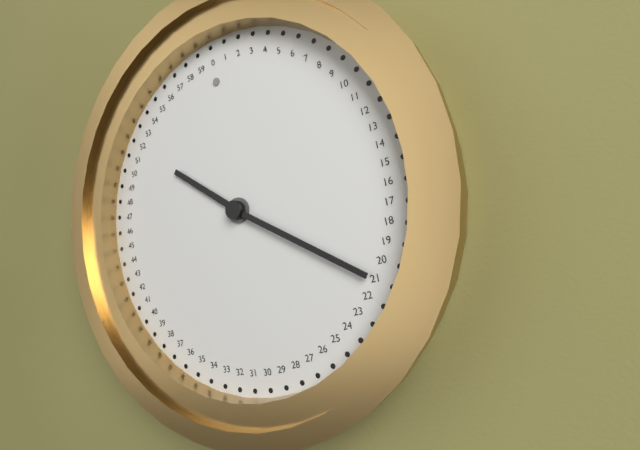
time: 10:21
